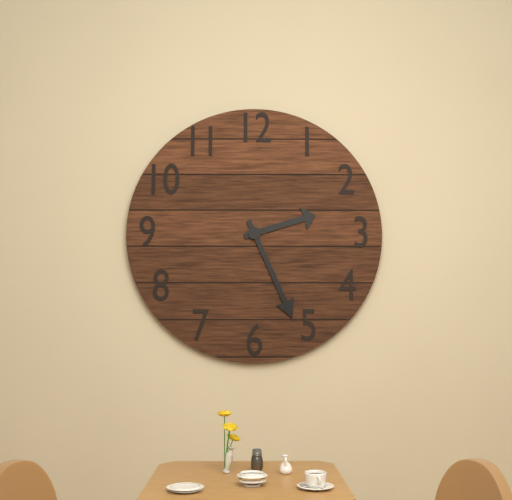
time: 2:26
